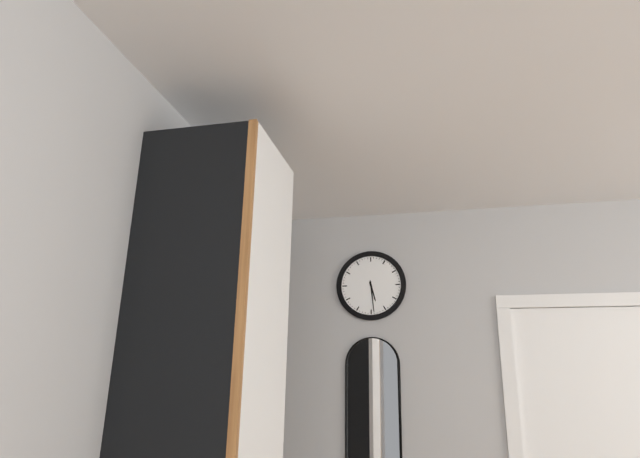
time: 5:29
